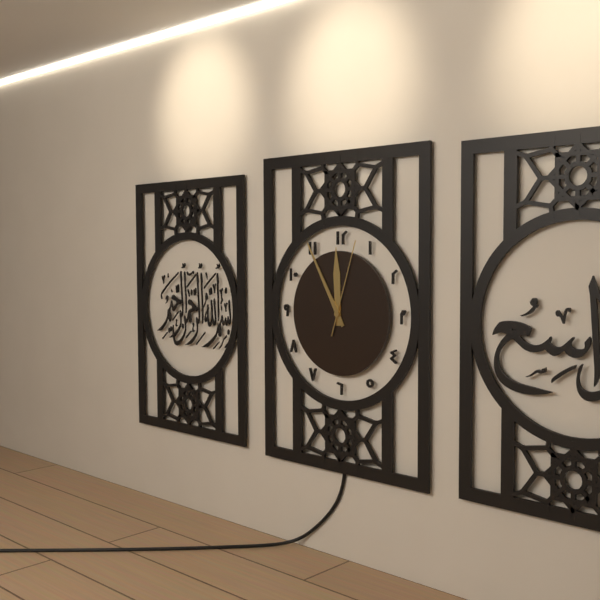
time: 11:55:03
